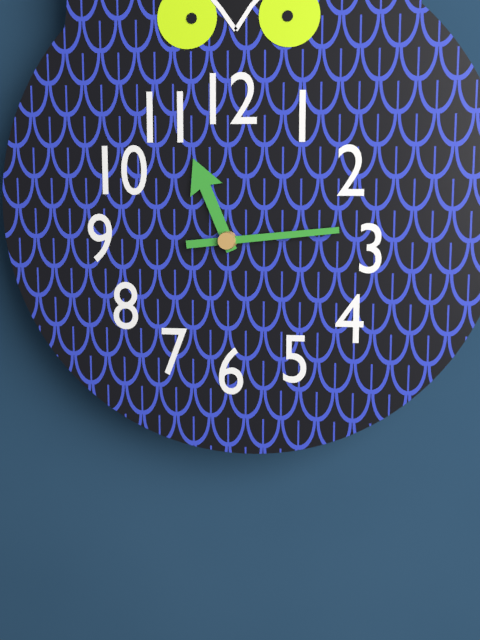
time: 11:14
